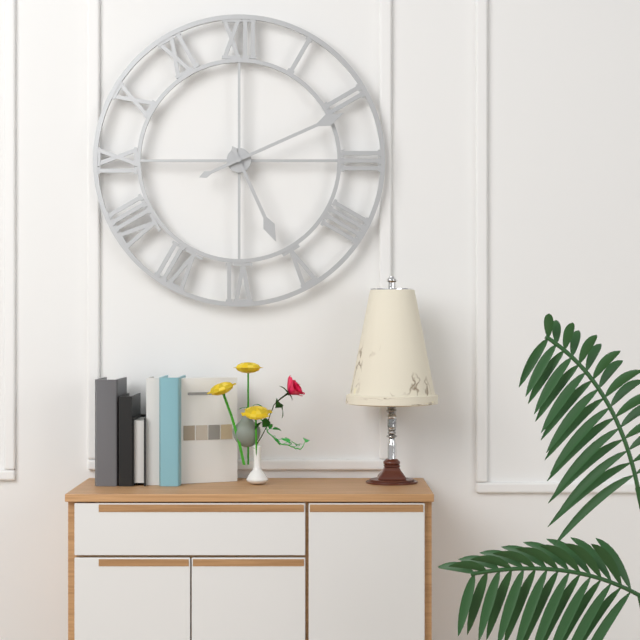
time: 5:11
